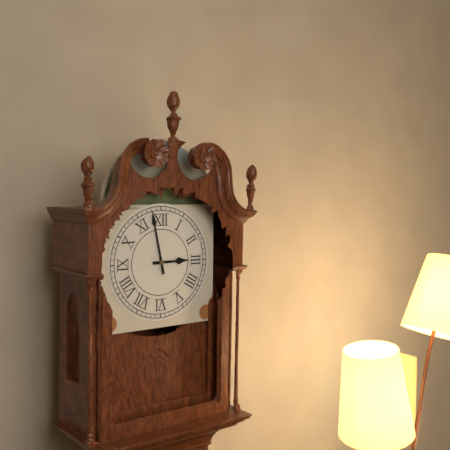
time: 2:58
